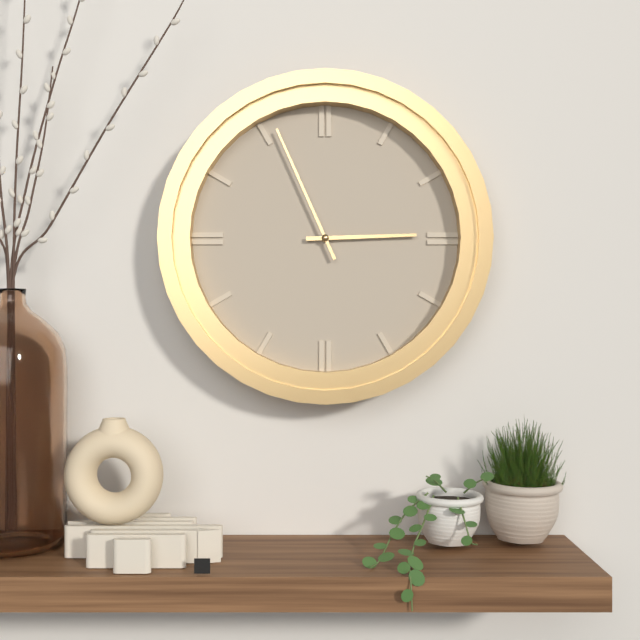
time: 2:56
